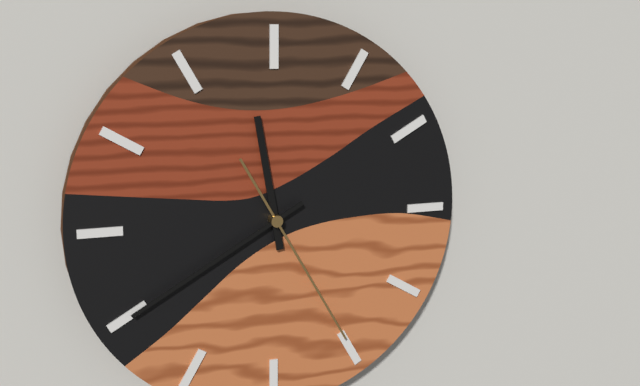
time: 11:40:25
